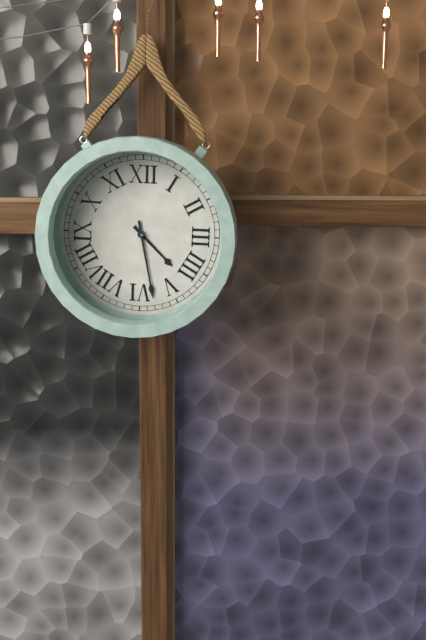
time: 4:28
